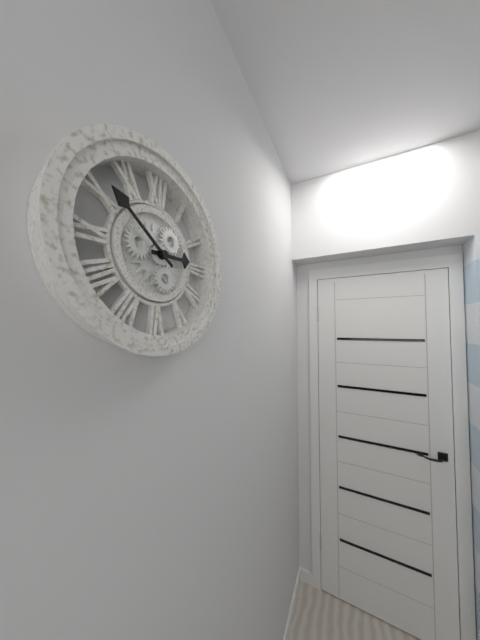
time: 2:51
